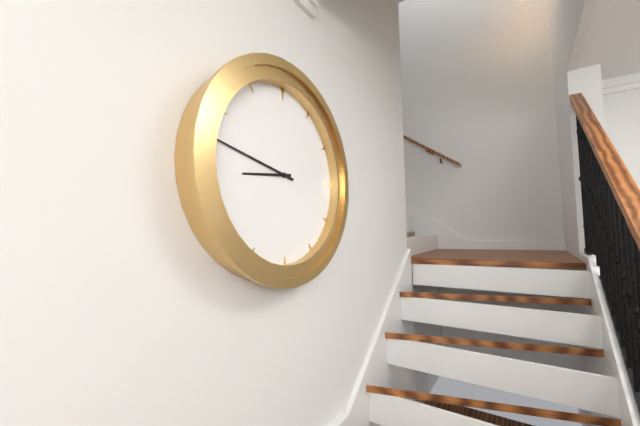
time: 8:47
